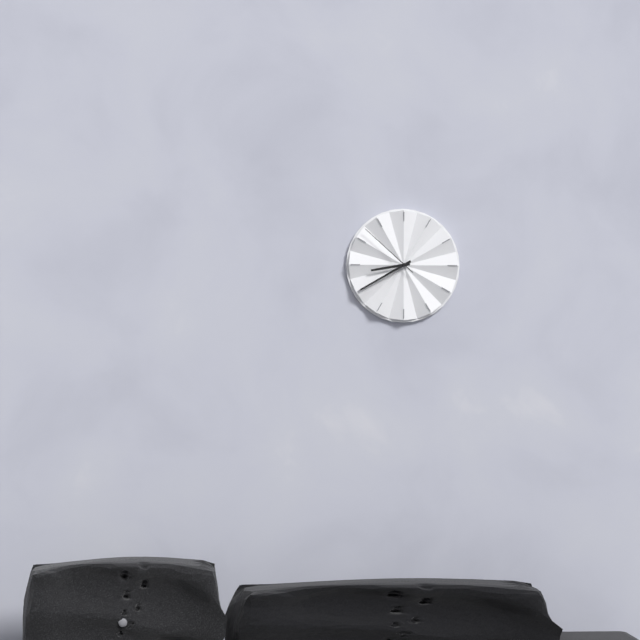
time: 8:40:52
